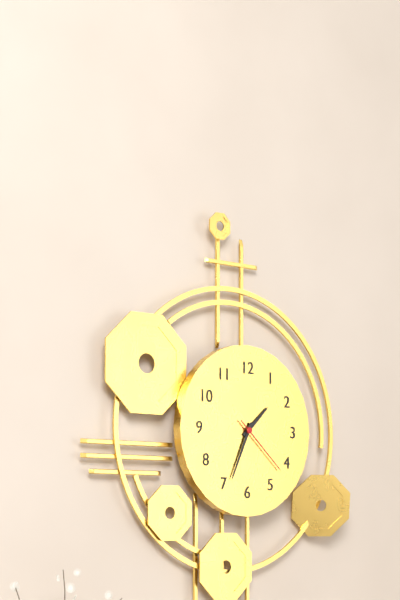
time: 1:34:22
